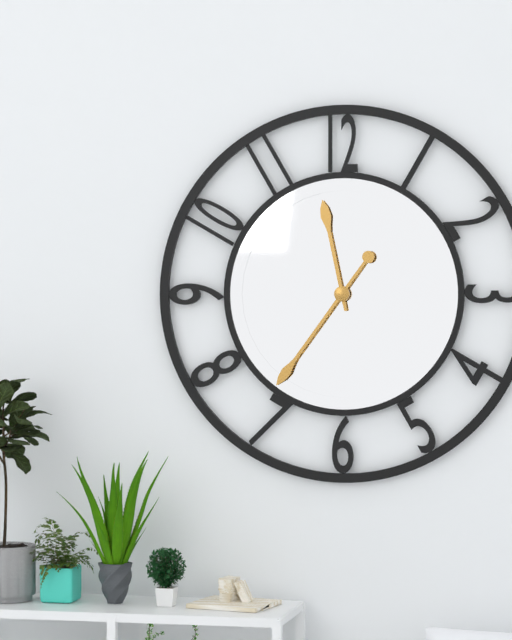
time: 11:36
